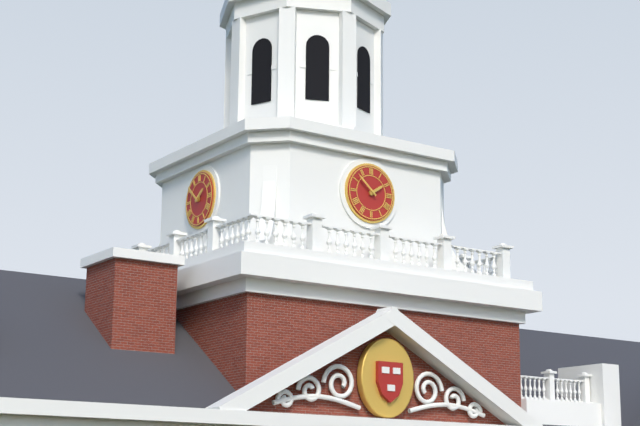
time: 1:52
